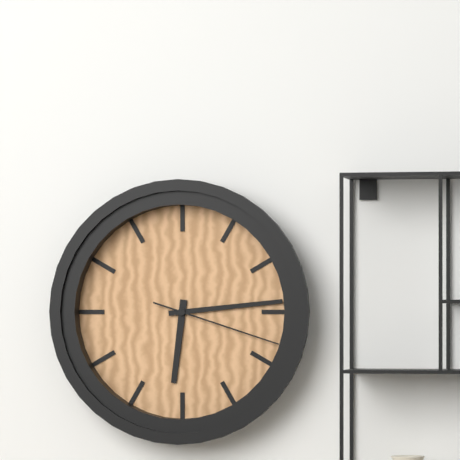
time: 6:14:18
